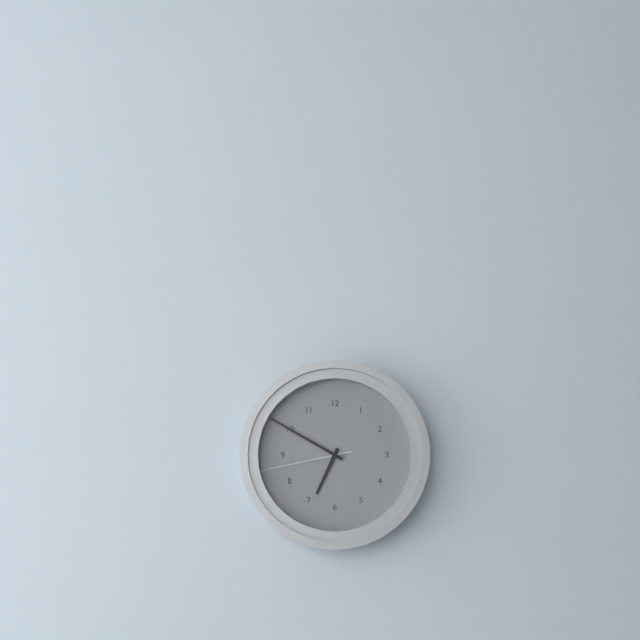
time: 6:50:43
